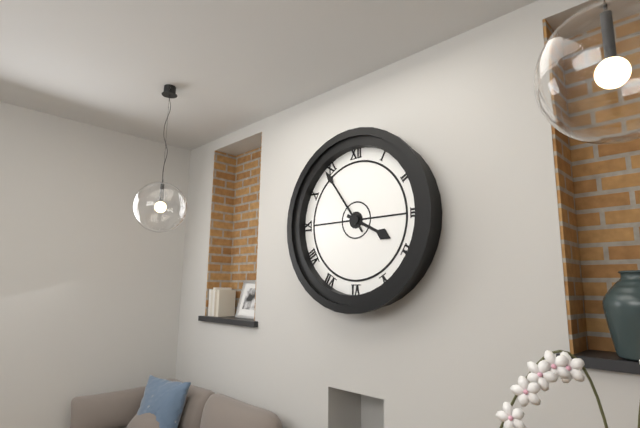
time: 3:54
